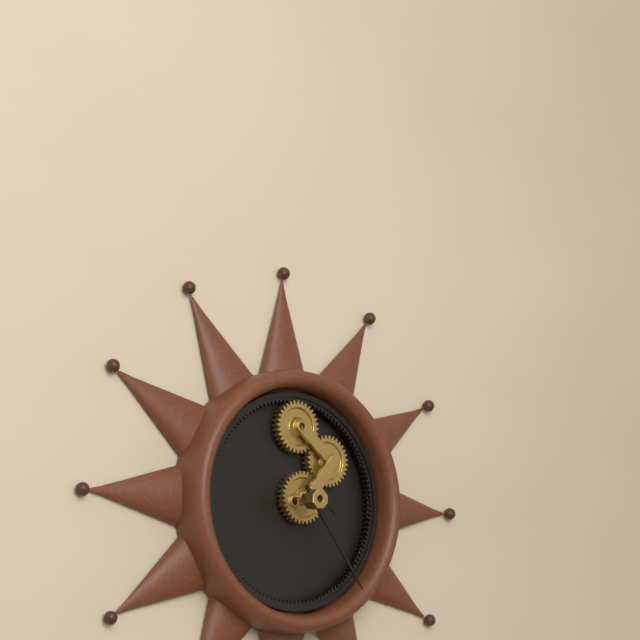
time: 3:24
